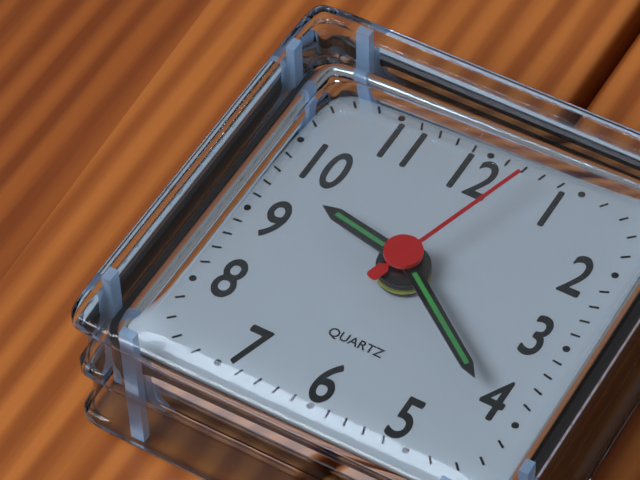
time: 9:21:03
